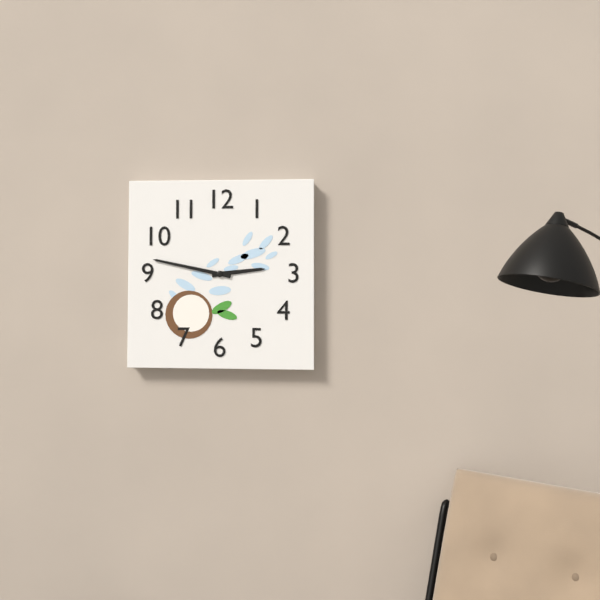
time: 2:47
